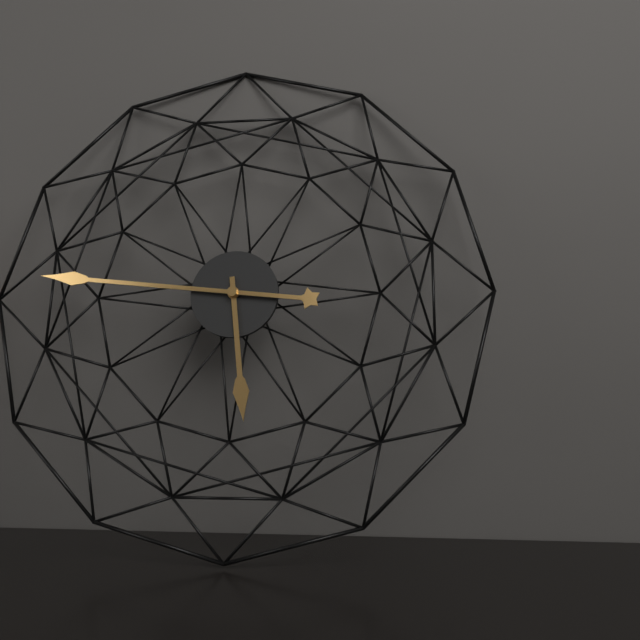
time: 5:46
